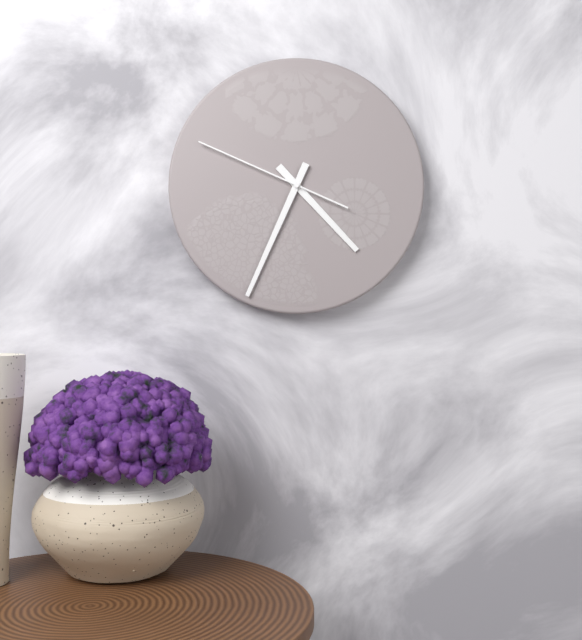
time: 4:34:49
